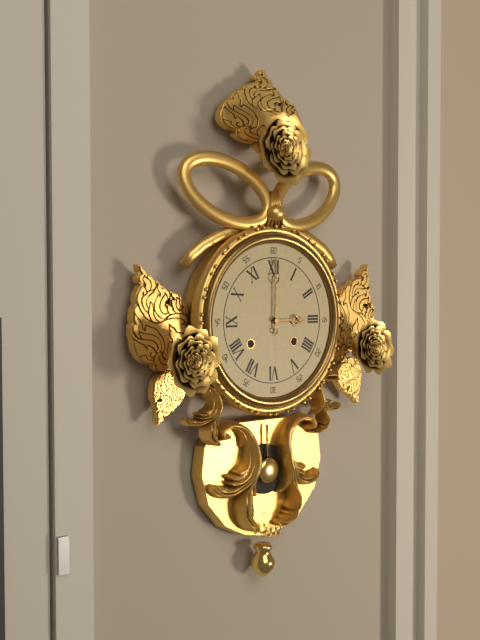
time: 3:00
